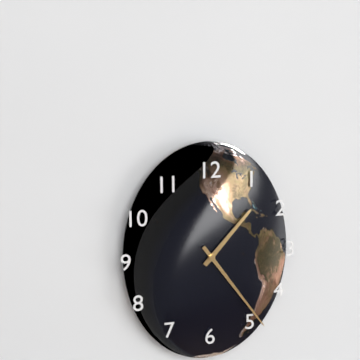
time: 1:24
